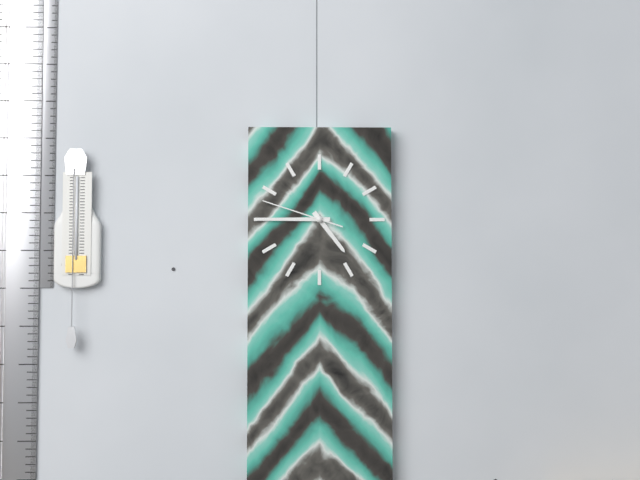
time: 4:45:48
